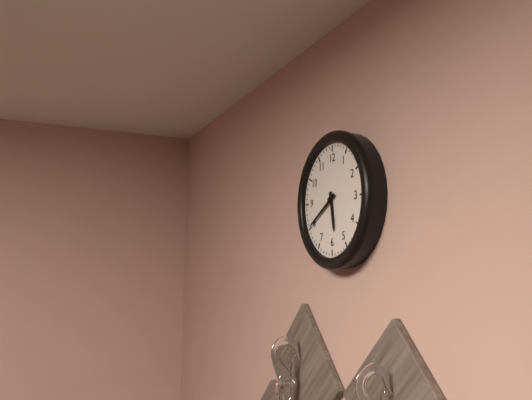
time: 5:40
